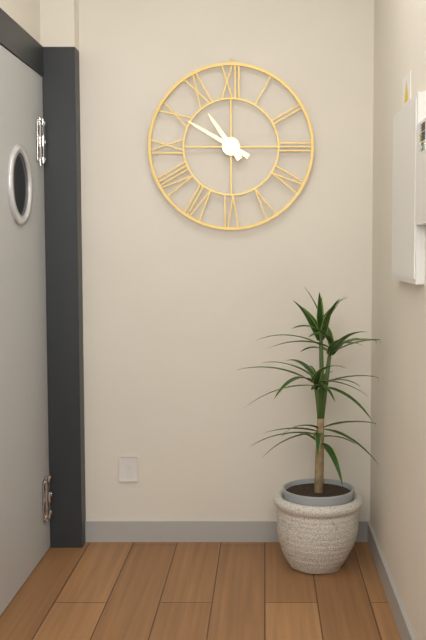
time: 10:50
